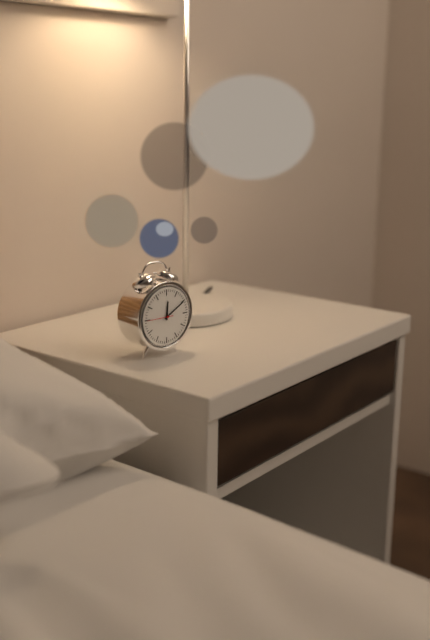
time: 12:10
